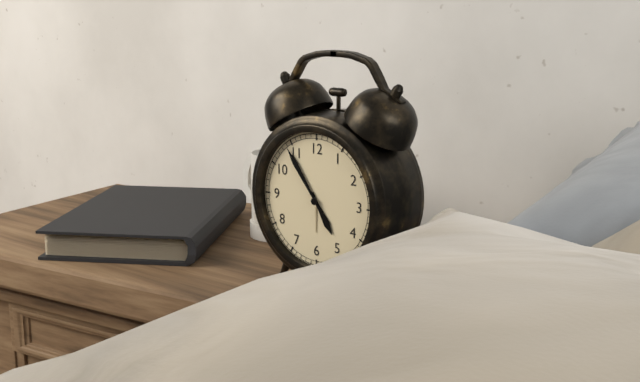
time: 4:54
